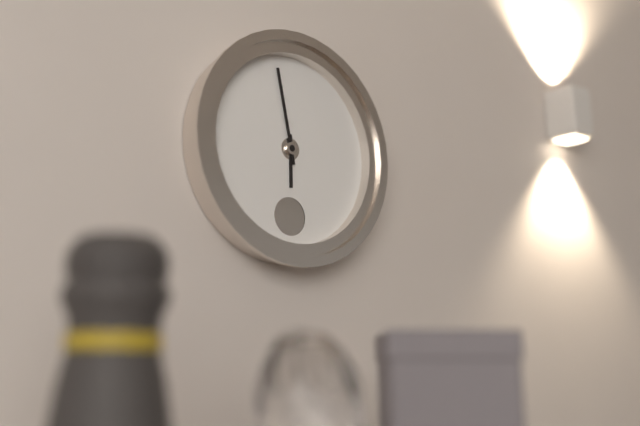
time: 5:58
